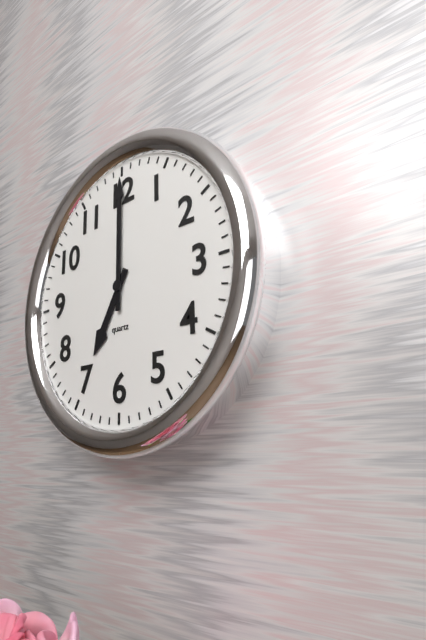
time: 7:00
